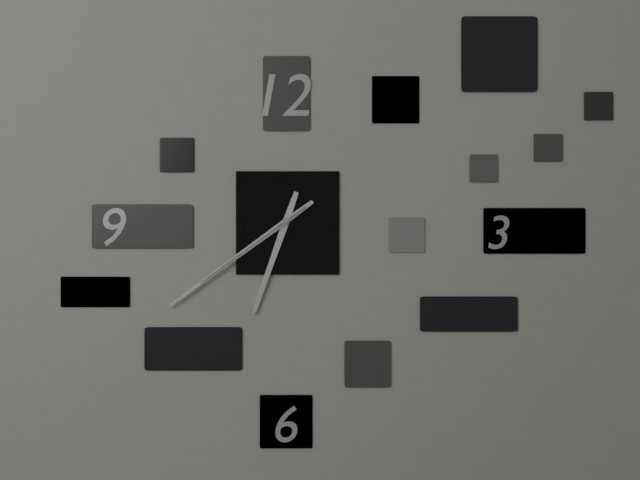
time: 6:39:39
